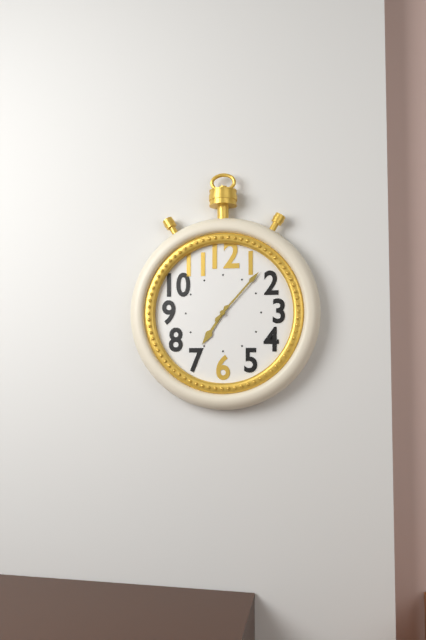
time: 7:07
